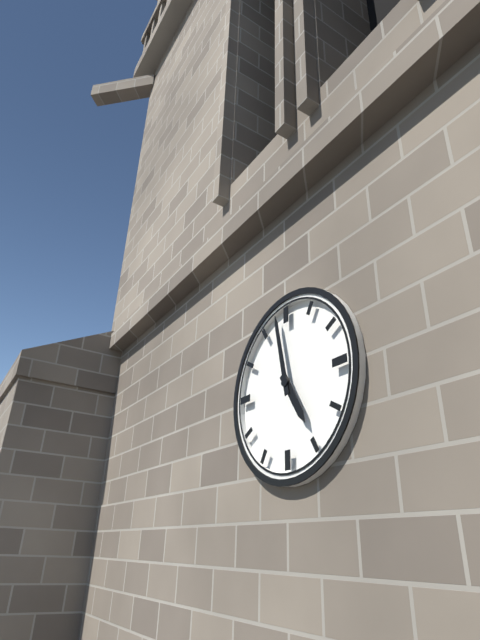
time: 4:58
